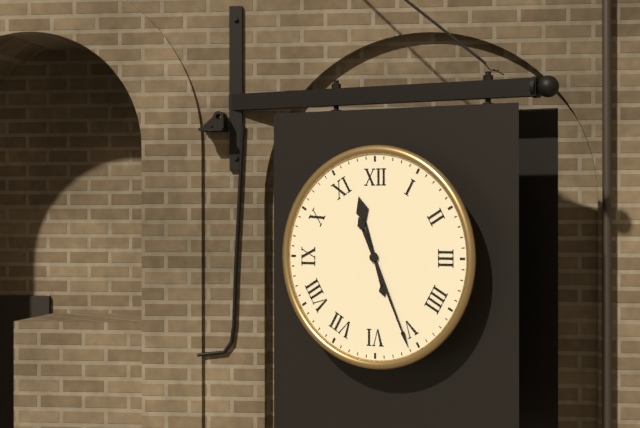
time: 11:26
